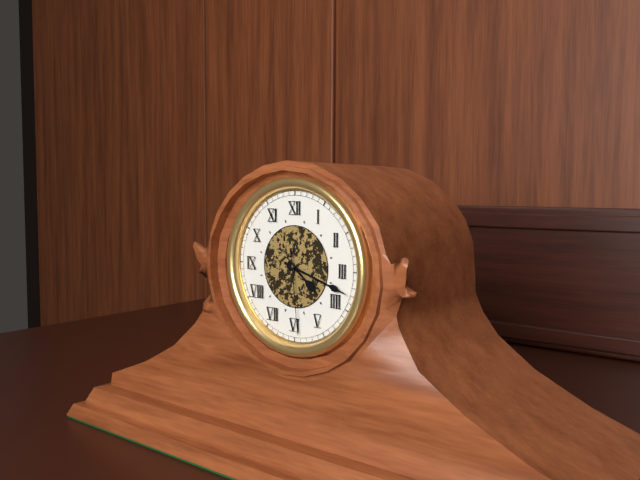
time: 4:18:29
